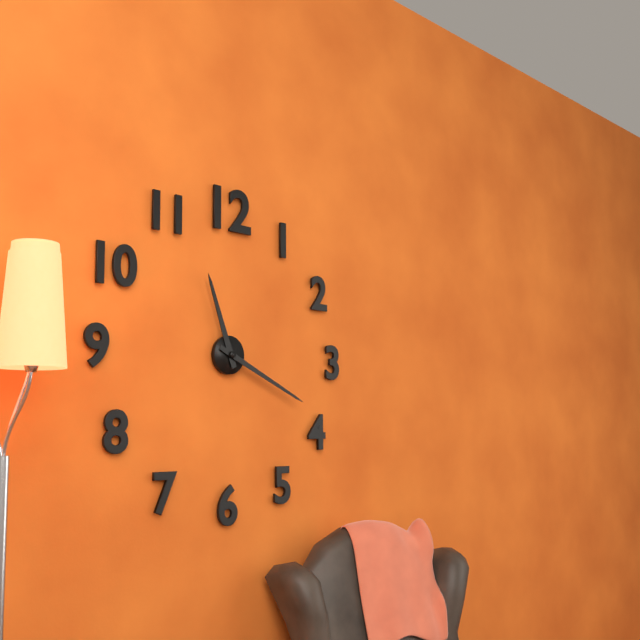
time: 11:19
